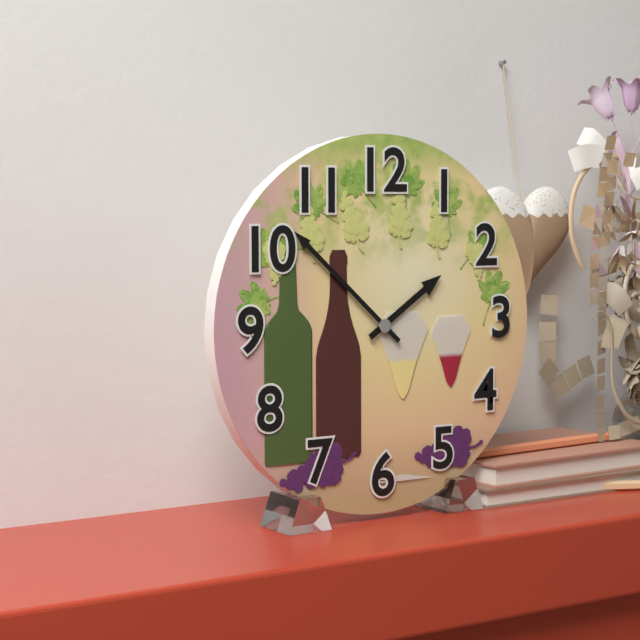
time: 1:52
